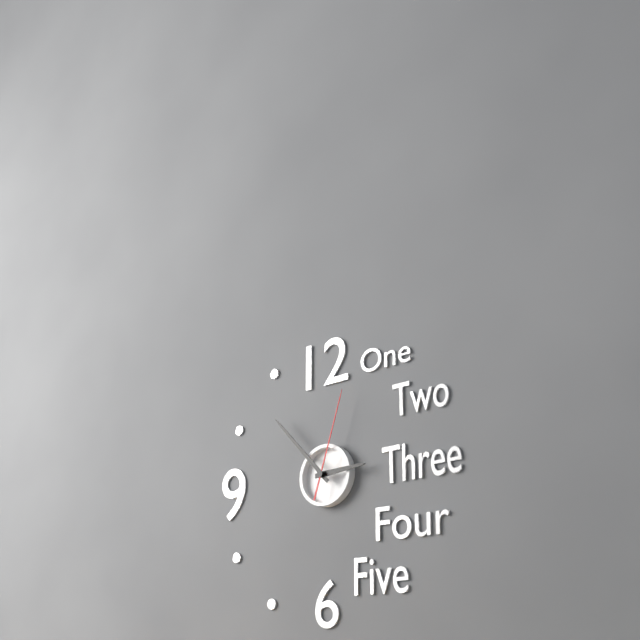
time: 2:53:03
